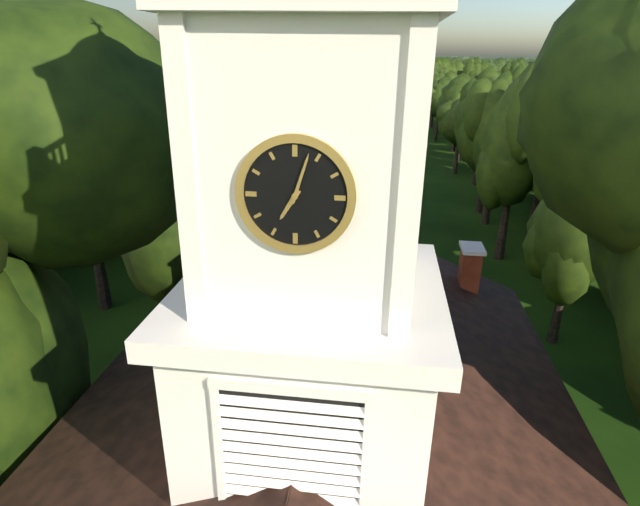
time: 7:03
